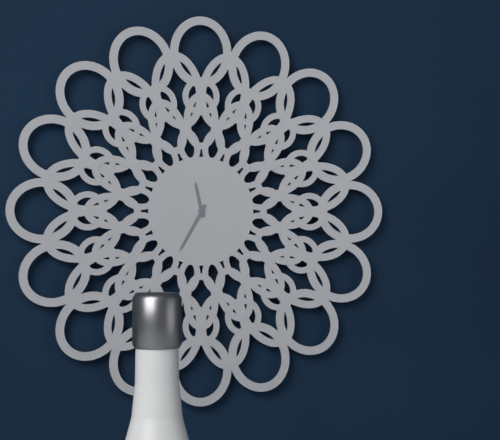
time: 11:35
